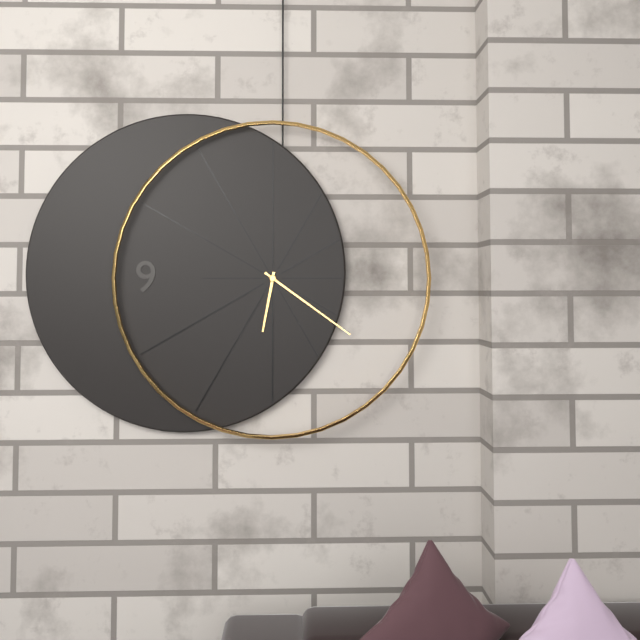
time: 6:21
